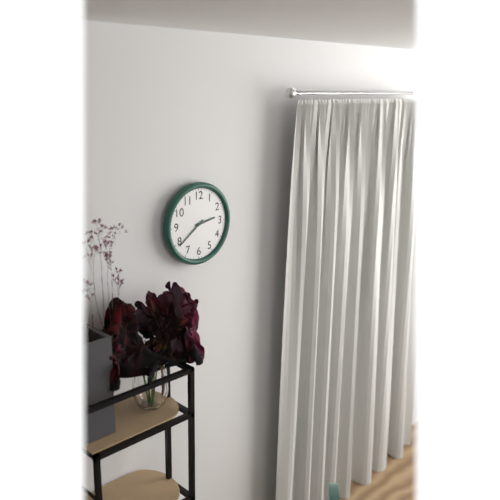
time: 2:39
